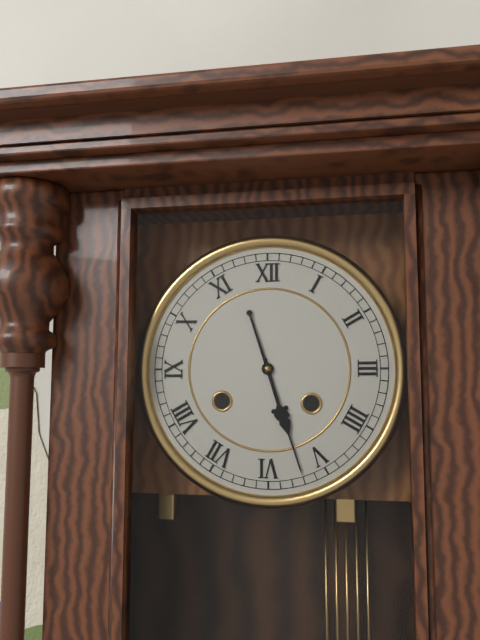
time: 5:27
